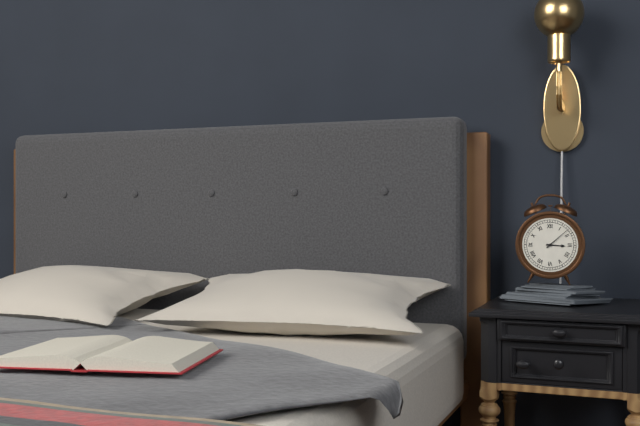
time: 3:08
